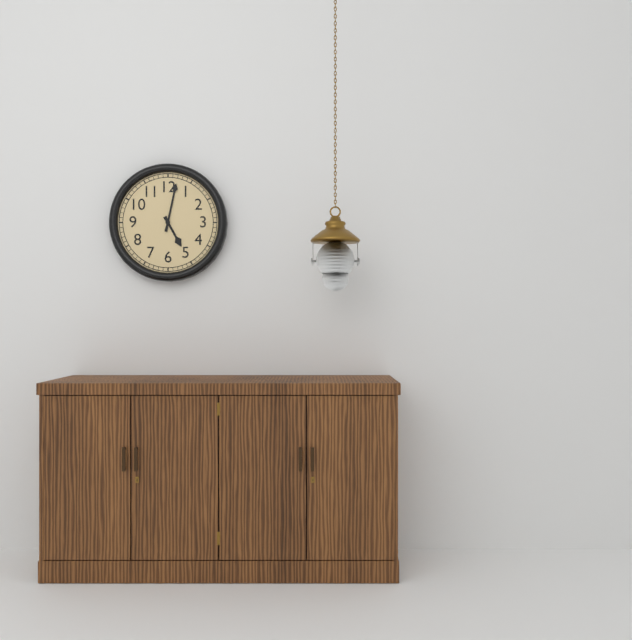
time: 5:02
